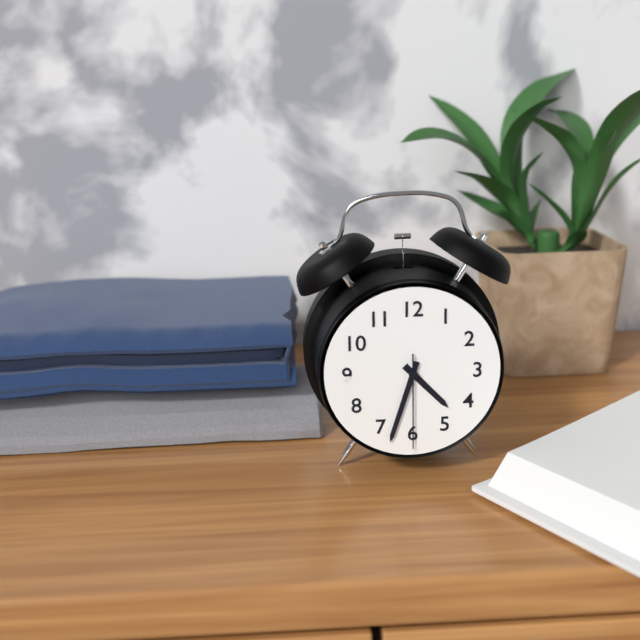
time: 4:33:30
